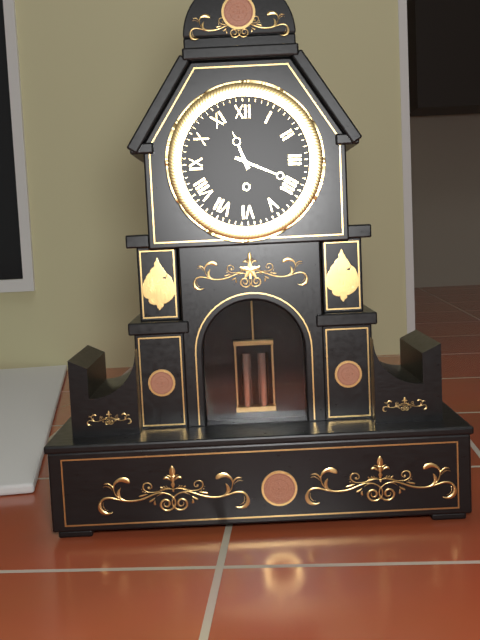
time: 11:19
